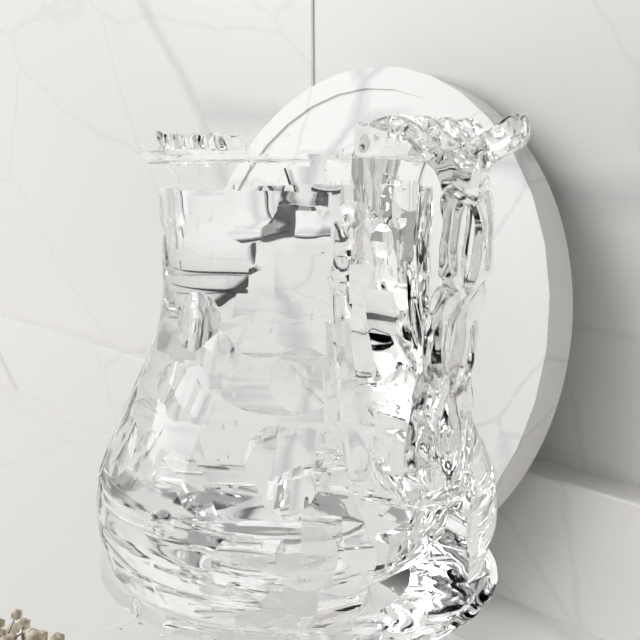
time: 2:54:17
